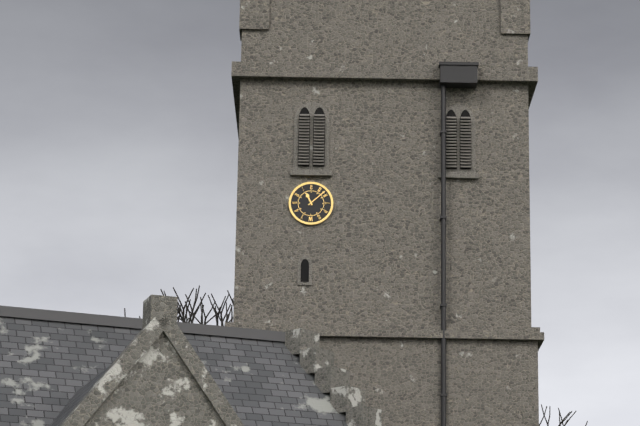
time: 11:08
